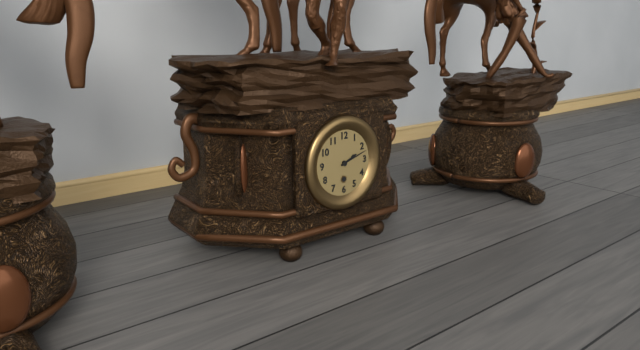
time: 2:12
